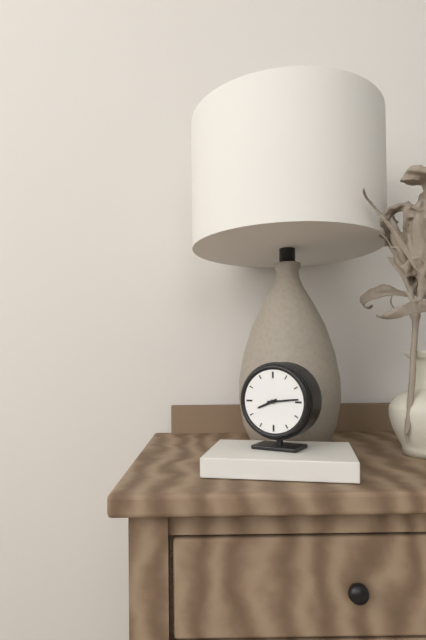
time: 8:14
